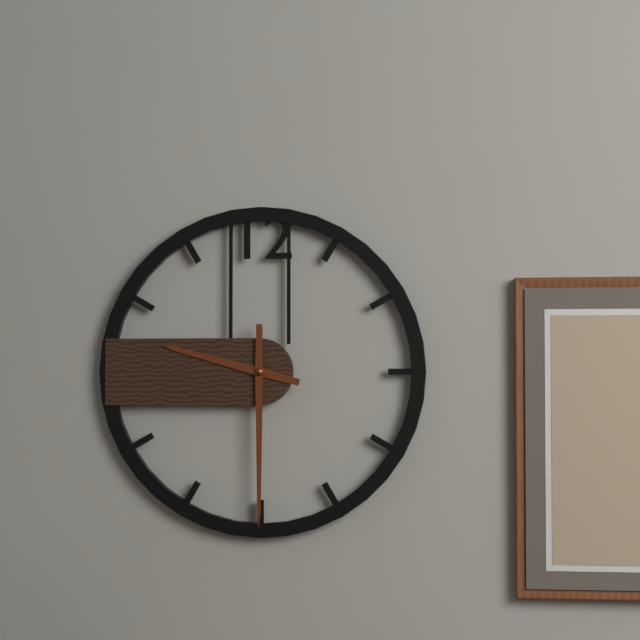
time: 9:30
